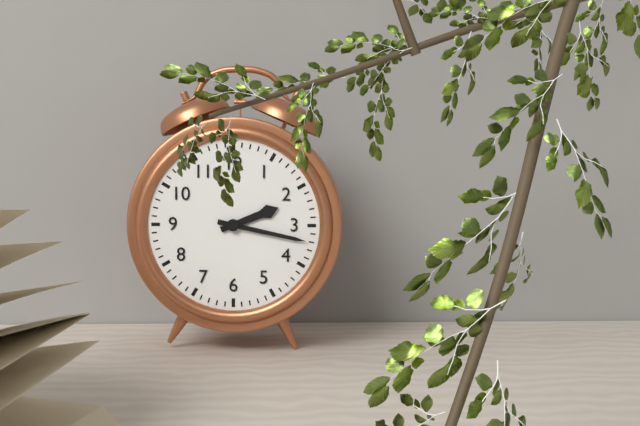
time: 2:17
